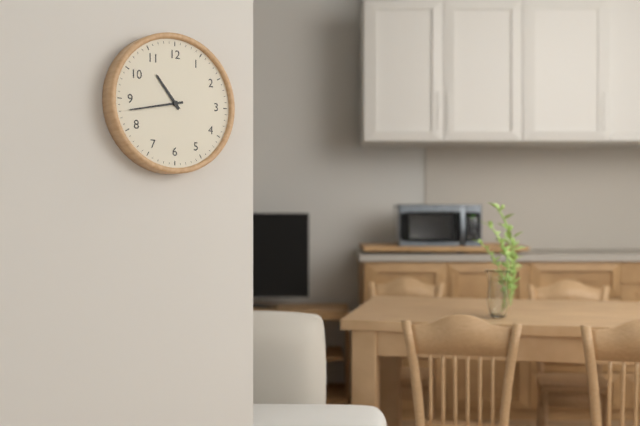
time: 10:43
